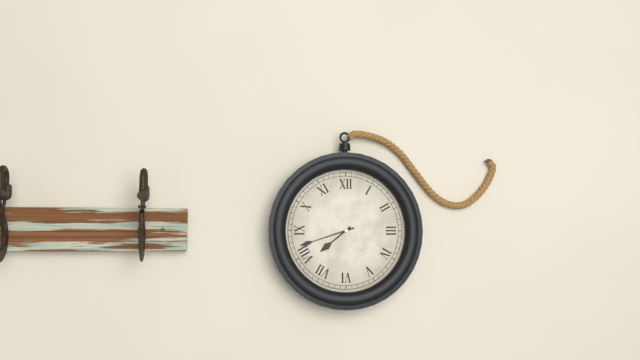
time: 7:42
